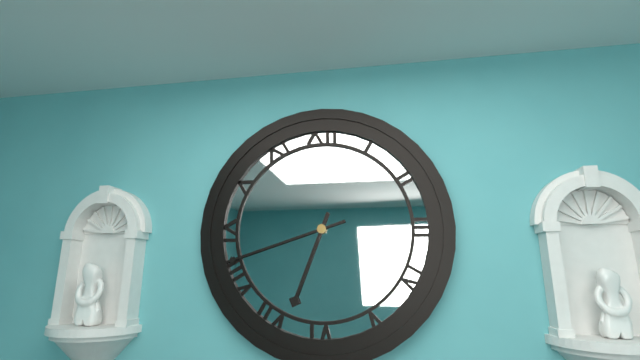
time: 6:42
